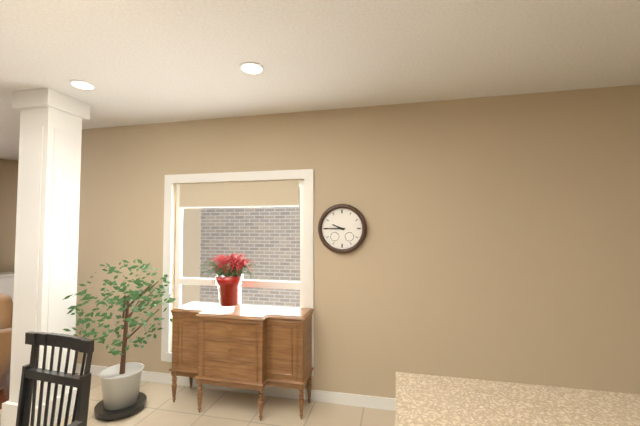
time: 9:45
